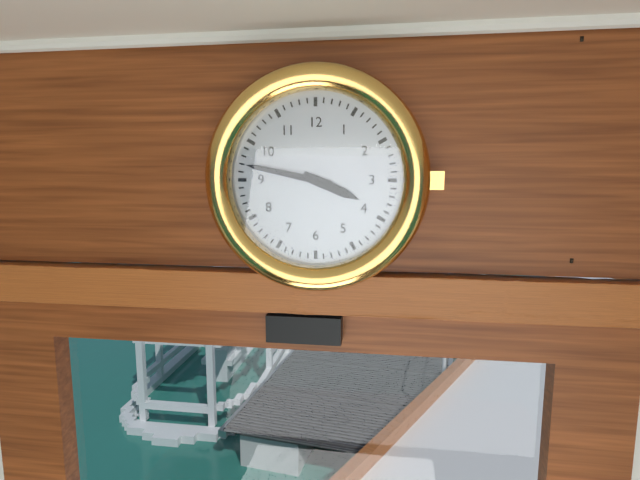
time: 3:47
